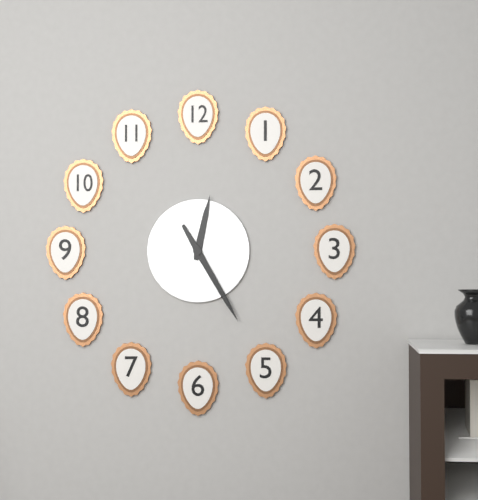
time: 12:25
